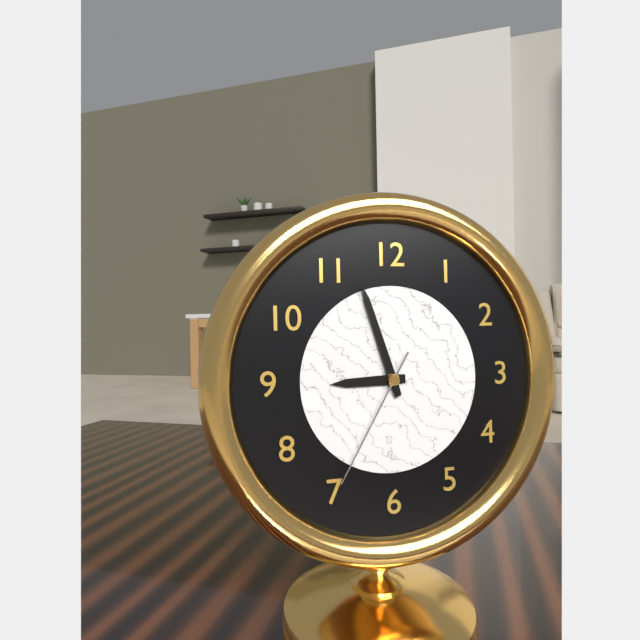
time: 8:57:35
